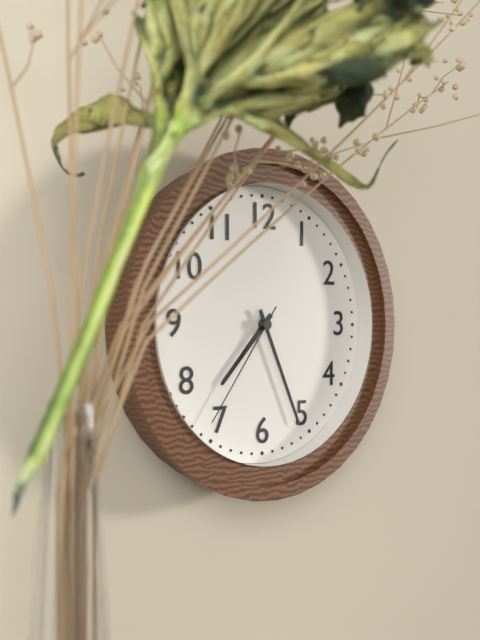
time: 7:26:36
